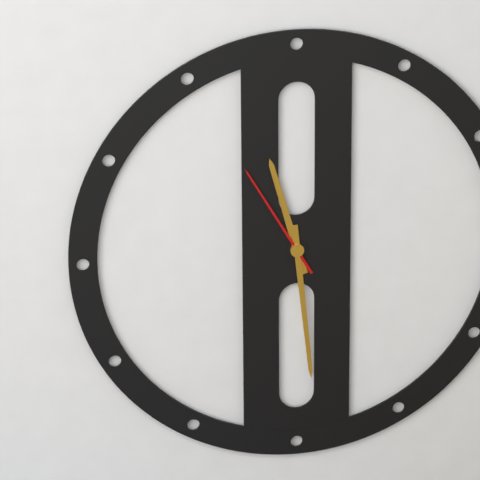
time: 11:29:55
